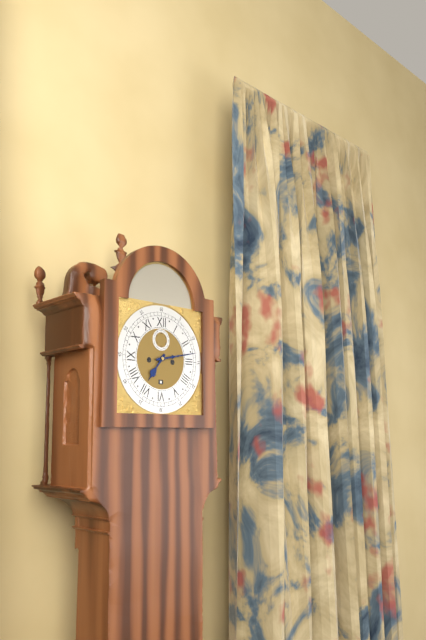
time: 7:13
